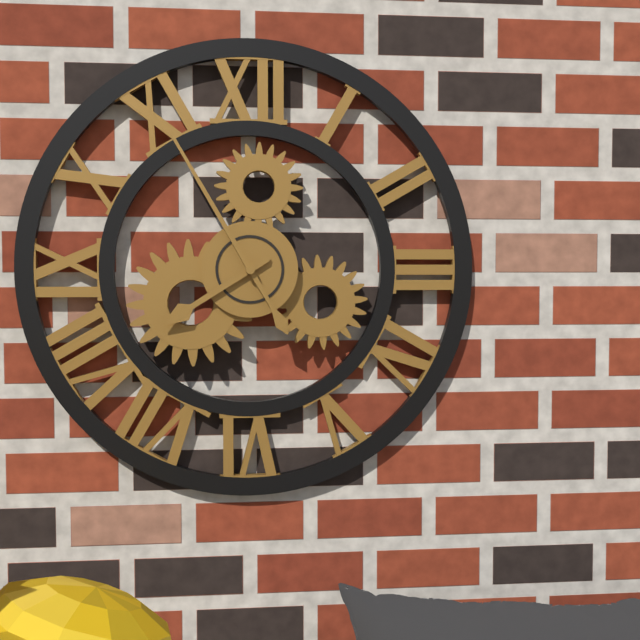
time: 7:55
